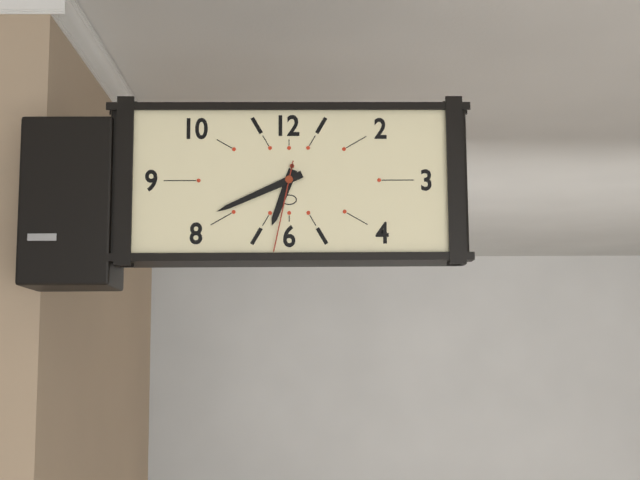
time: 6:41:32
